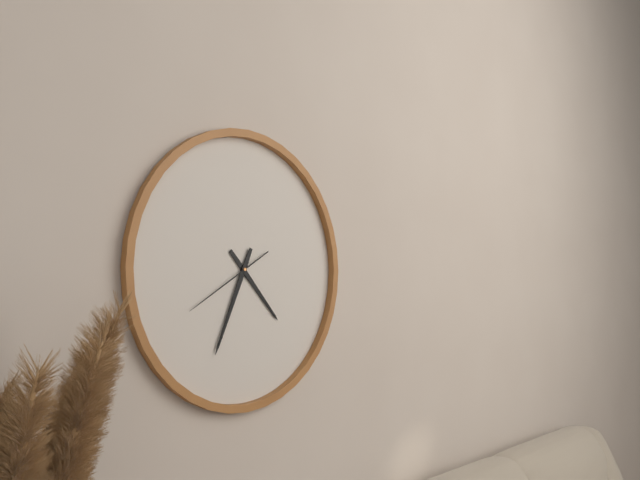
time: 4:34:40
